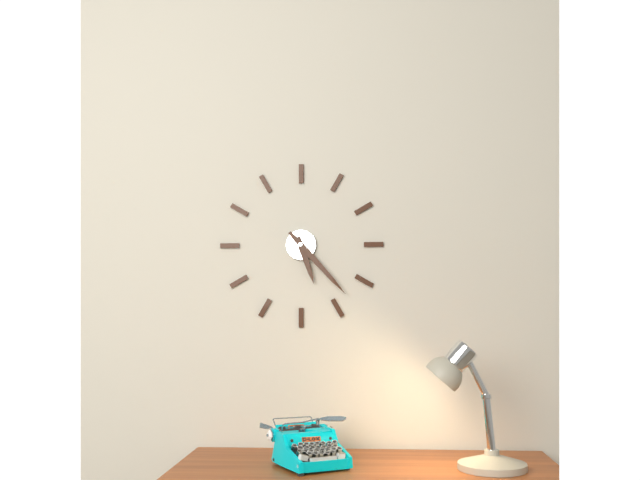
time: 5:23
